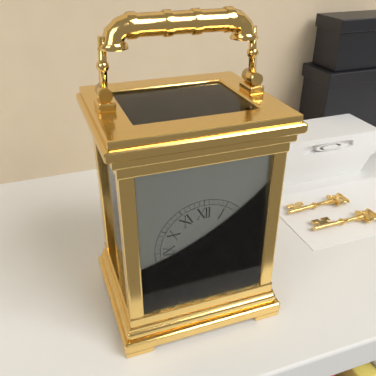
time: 6:40
